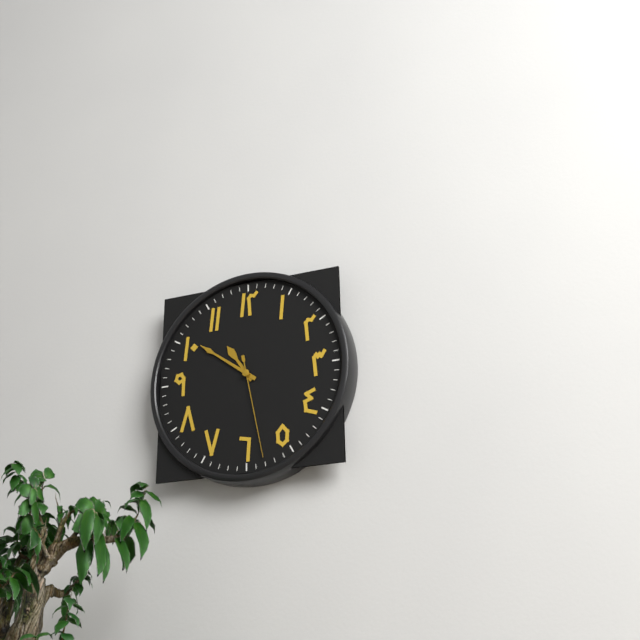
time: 10:51:28
